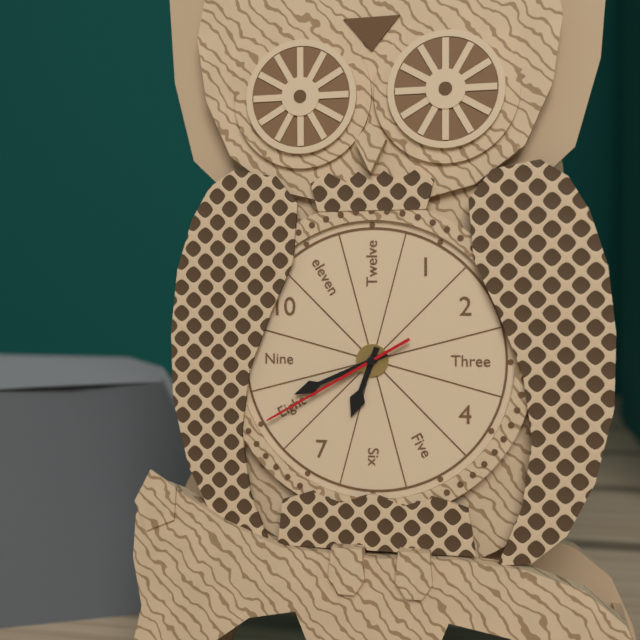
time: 6:41:40
